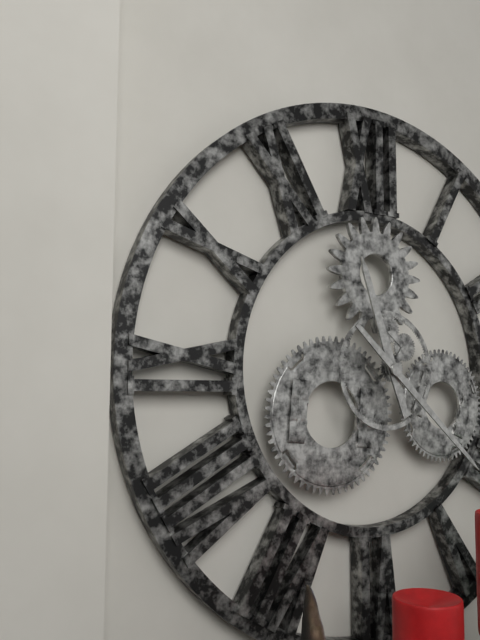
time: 11:22
